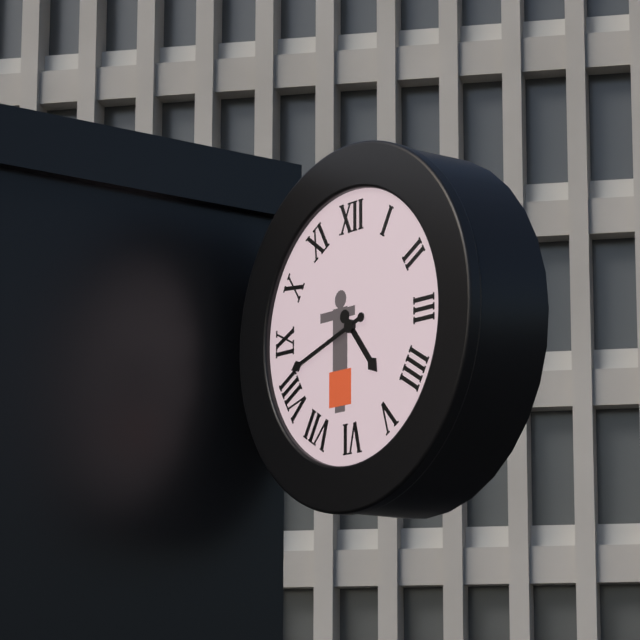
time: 4:42
